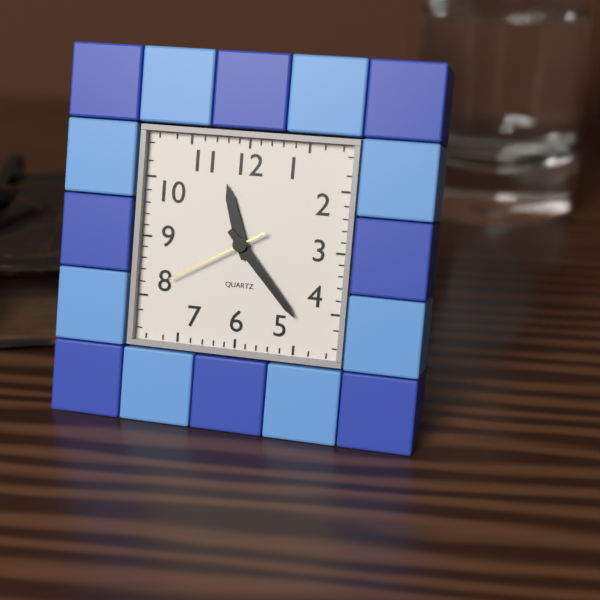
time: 11:23:40
